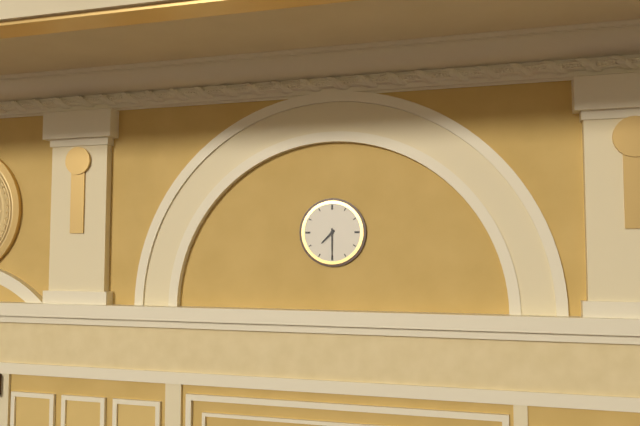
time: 7:30
